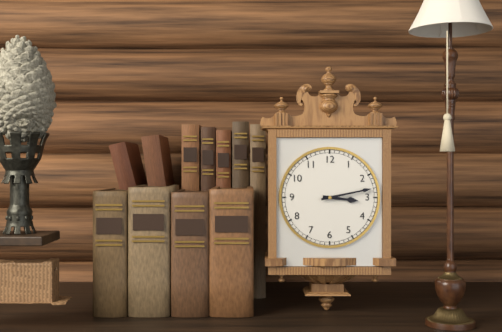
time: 3:13
